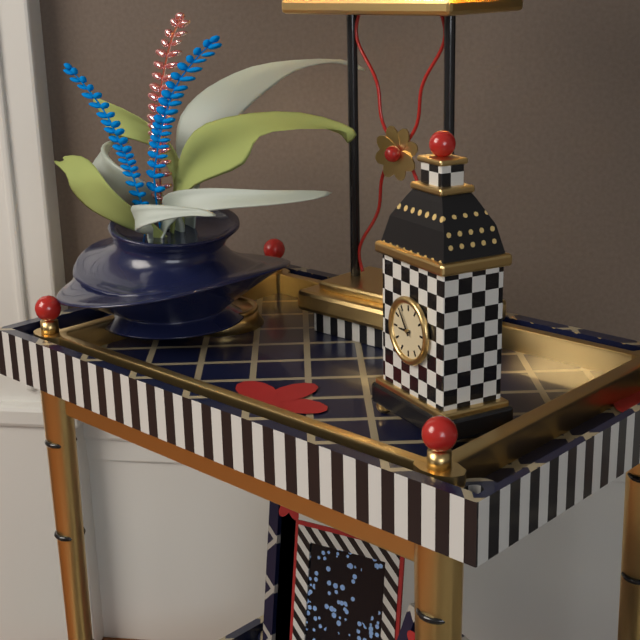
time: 8:54
